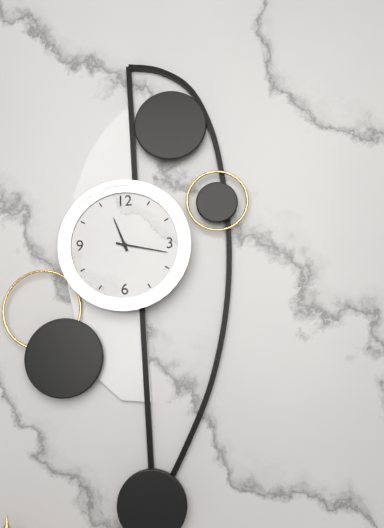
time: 11:17
